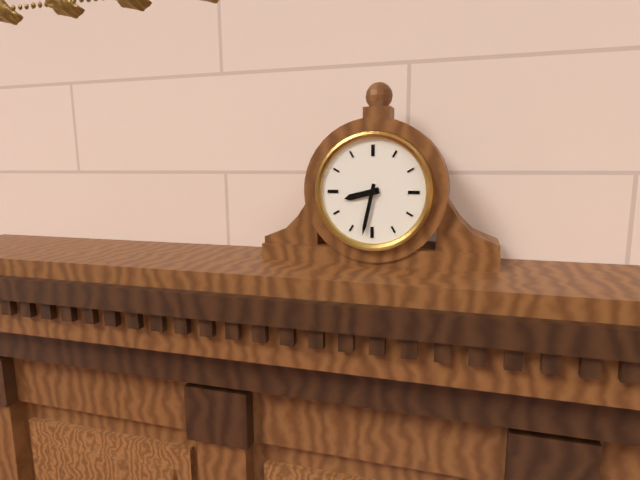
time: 8:32
